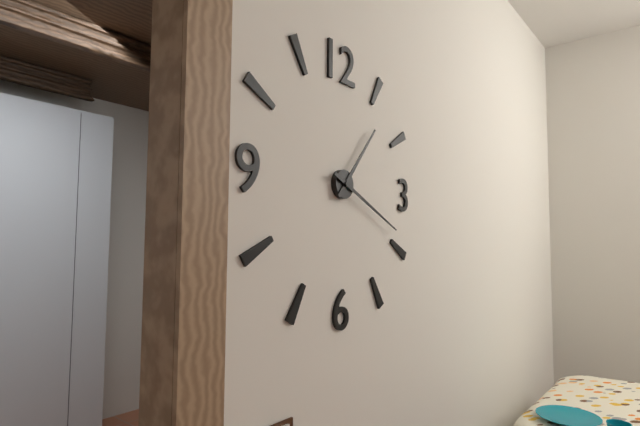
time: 1:19
